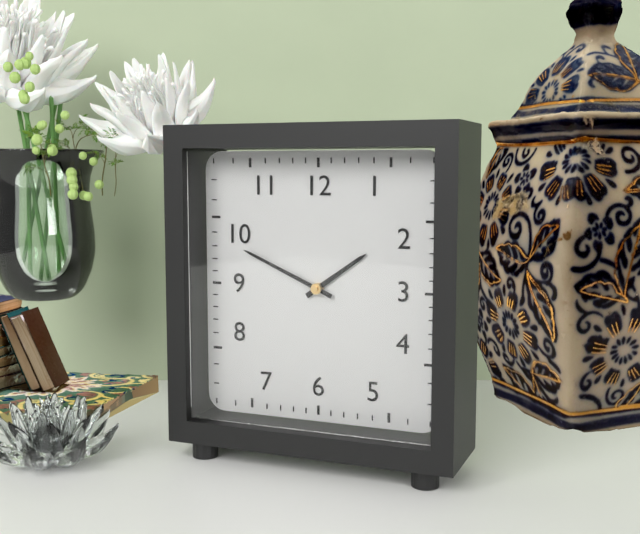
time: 1:49
